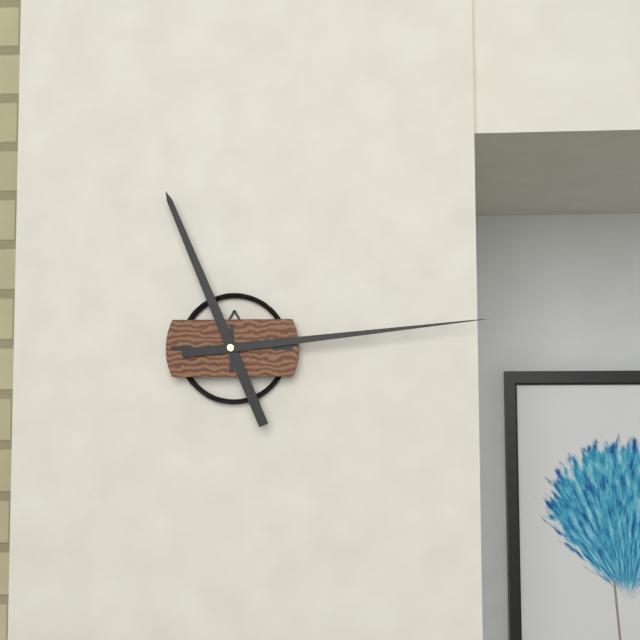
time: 11:14
